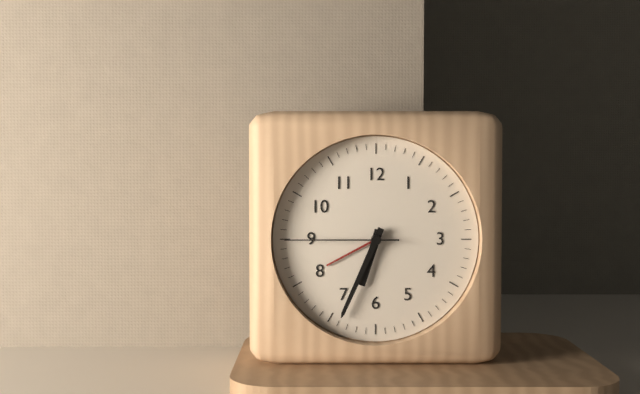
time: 6:34:45
